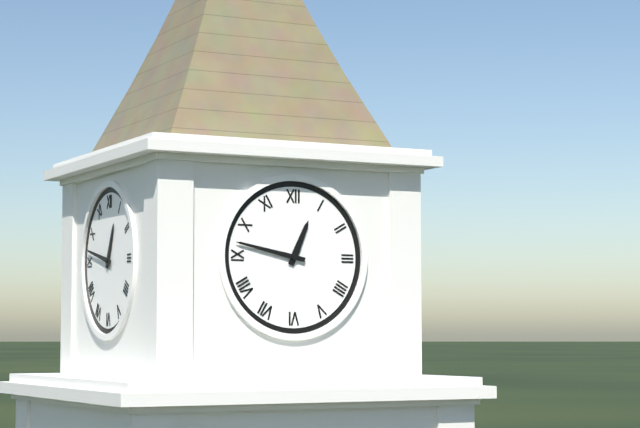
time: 12:47
